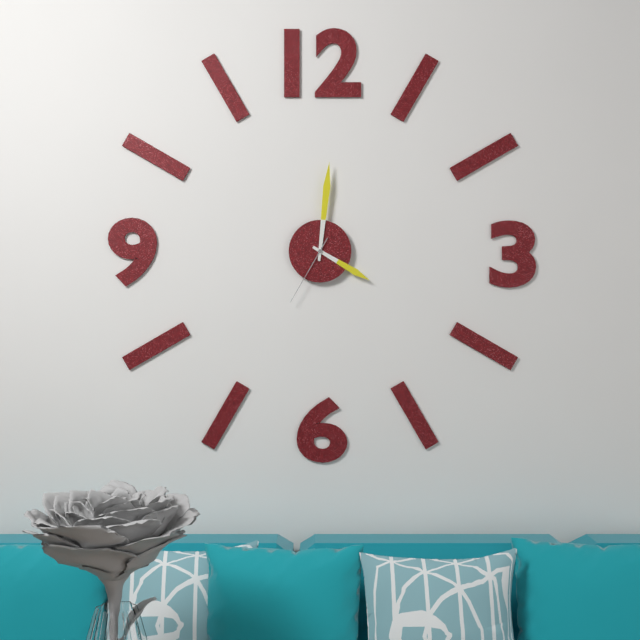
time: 4:01:35
